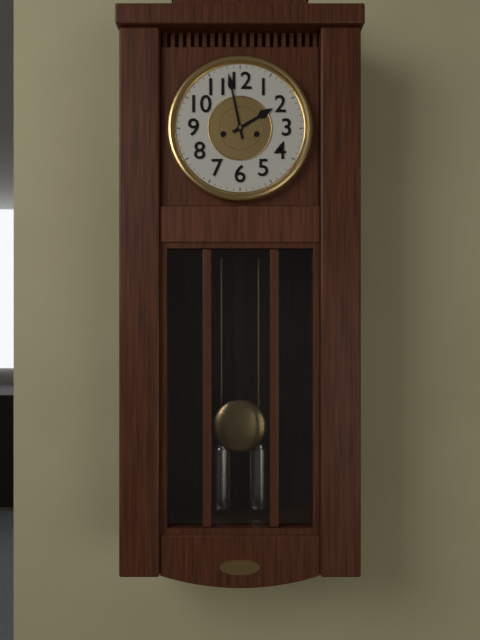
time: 1:58
